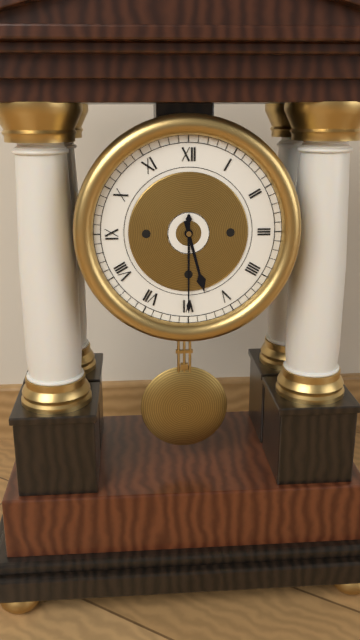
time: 5:30
